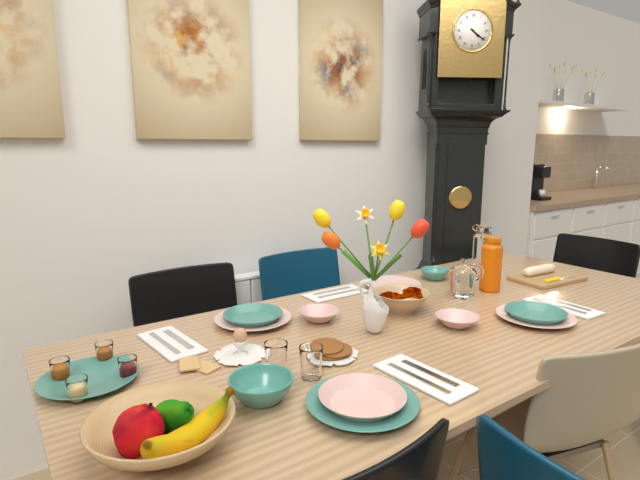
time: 4:21
